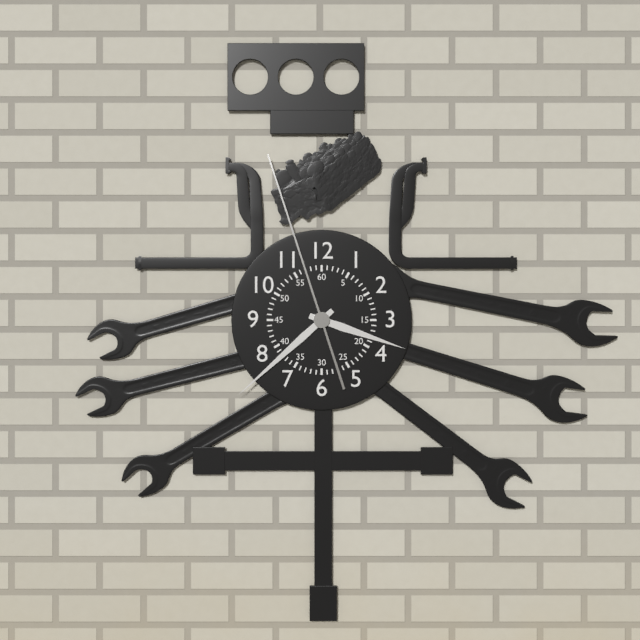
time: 3:38:57
